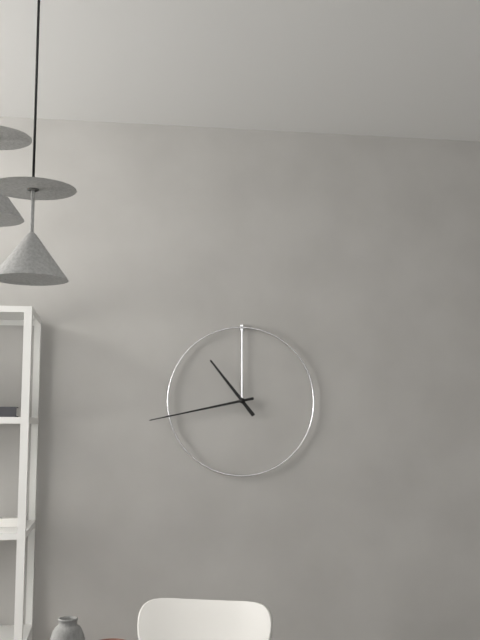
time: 10:43
